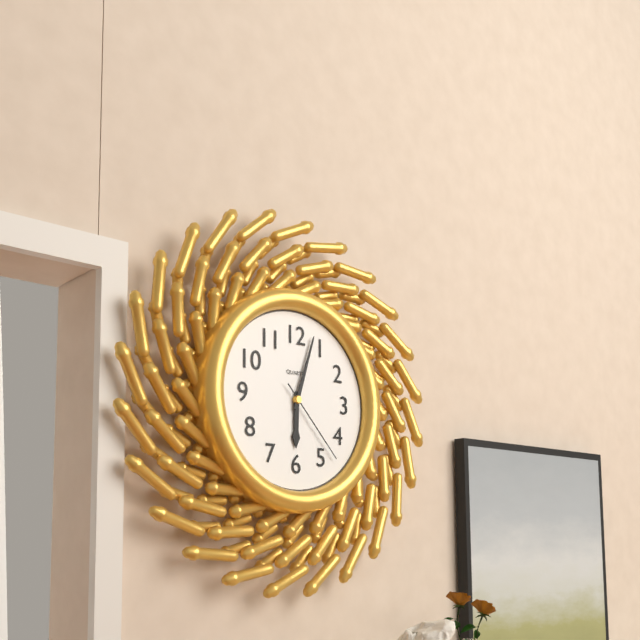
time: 6:03:23
